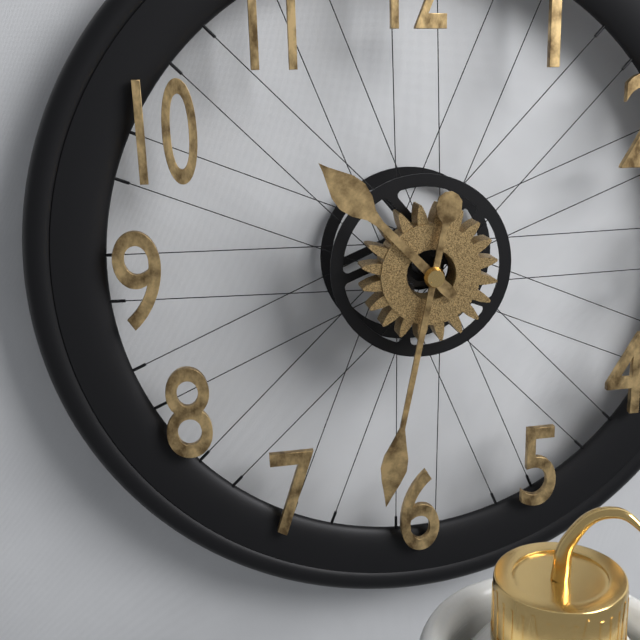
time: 10:32
